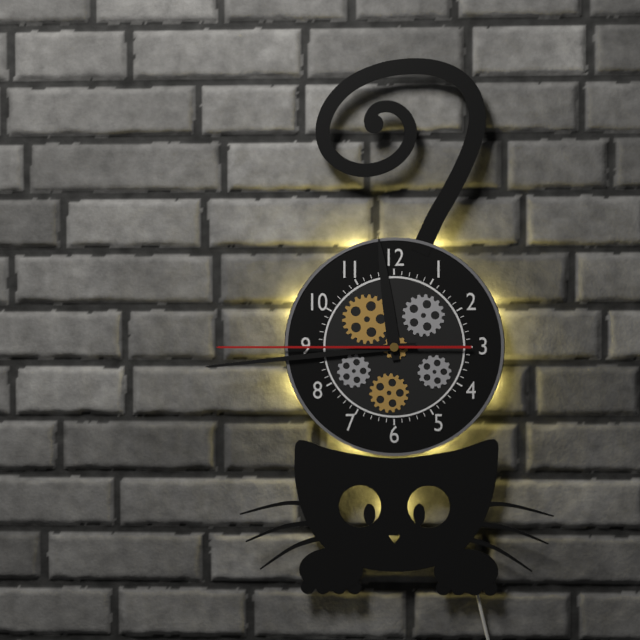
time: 11:44:45
